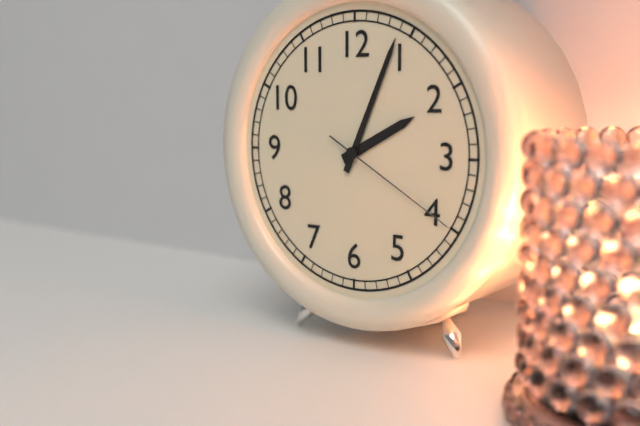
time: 2:04:20
